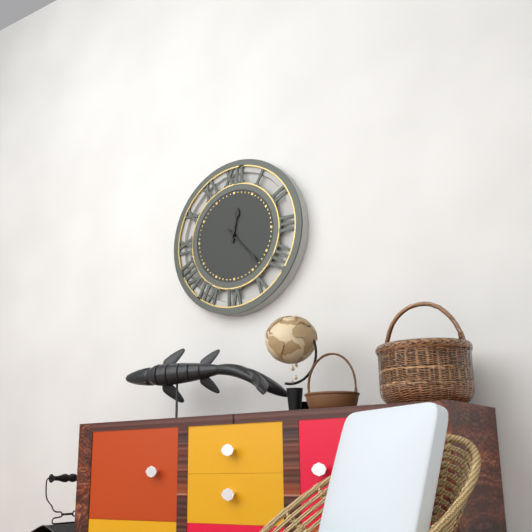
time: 12:23
